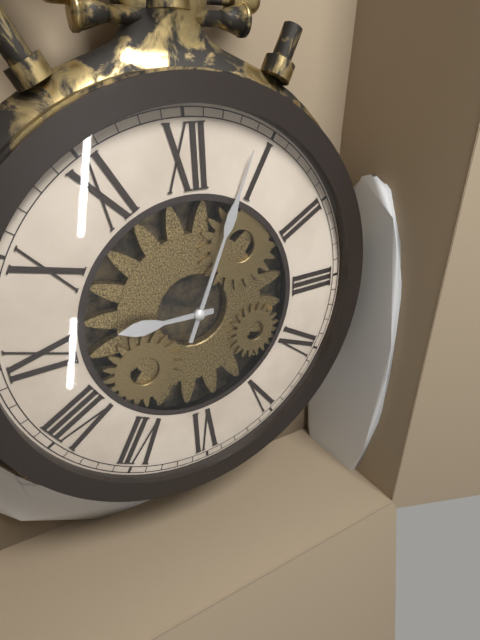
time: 9:04
